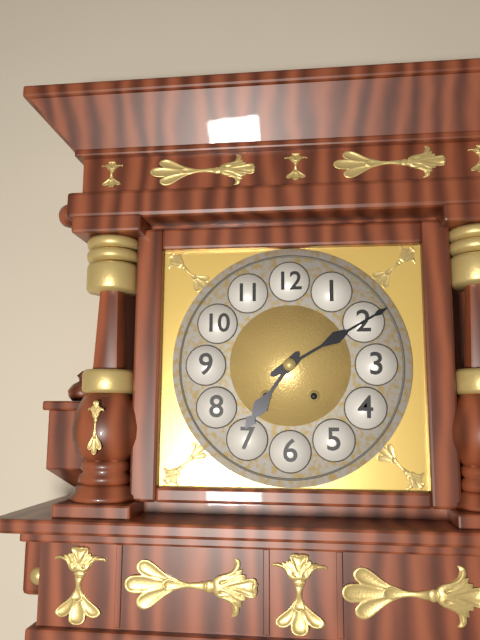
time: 7:10
